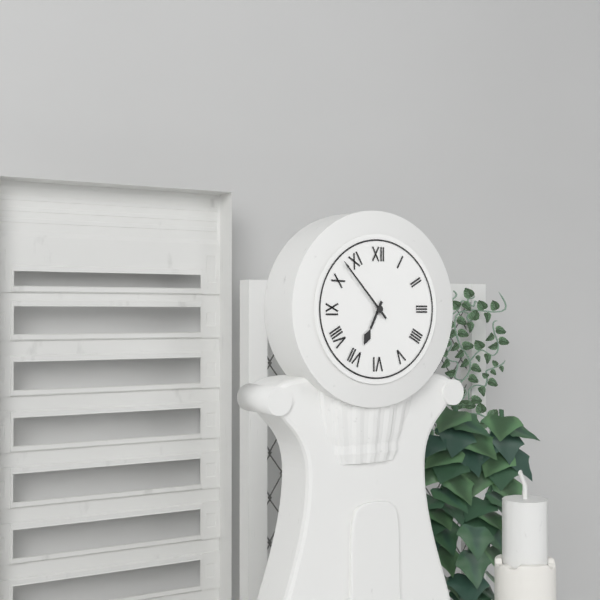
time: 6:53
